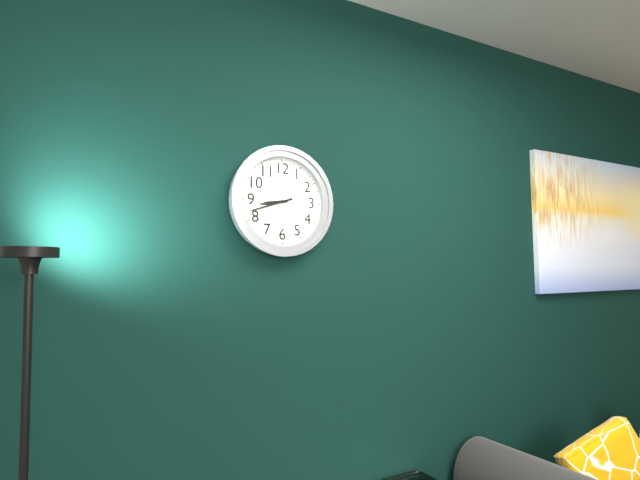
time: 8:42
